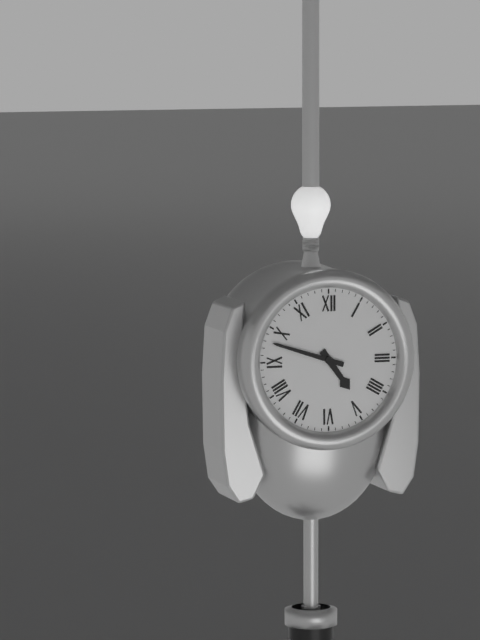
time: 4:48
